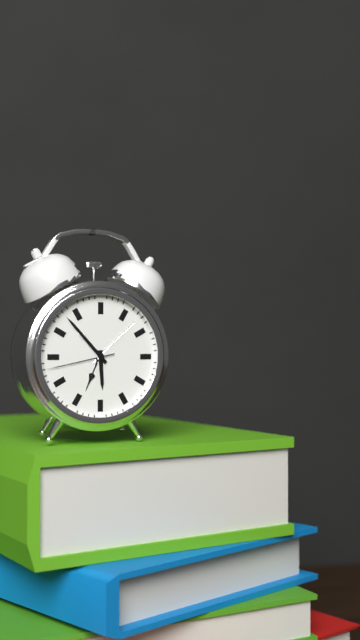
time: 5:53:43
